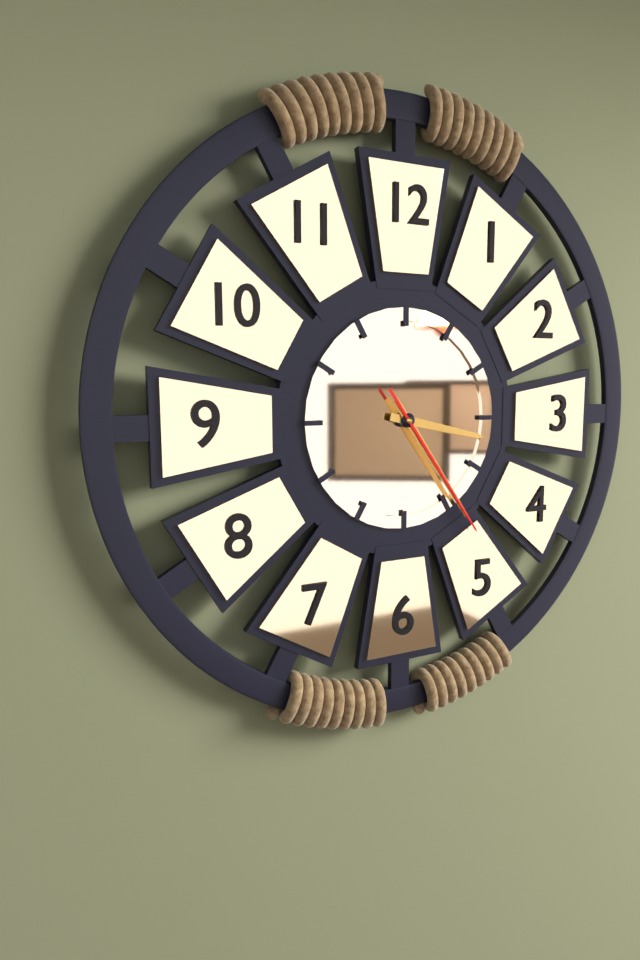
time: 3:24:24
